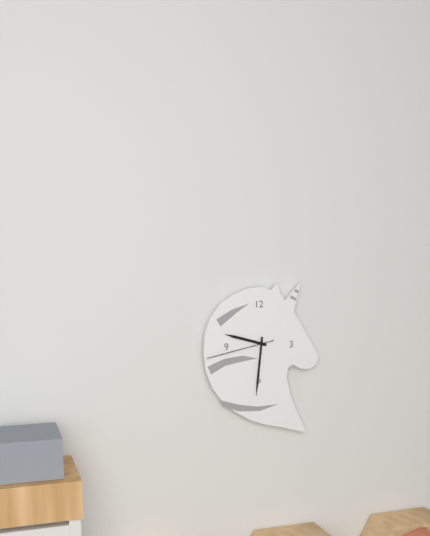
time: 9:31:43
